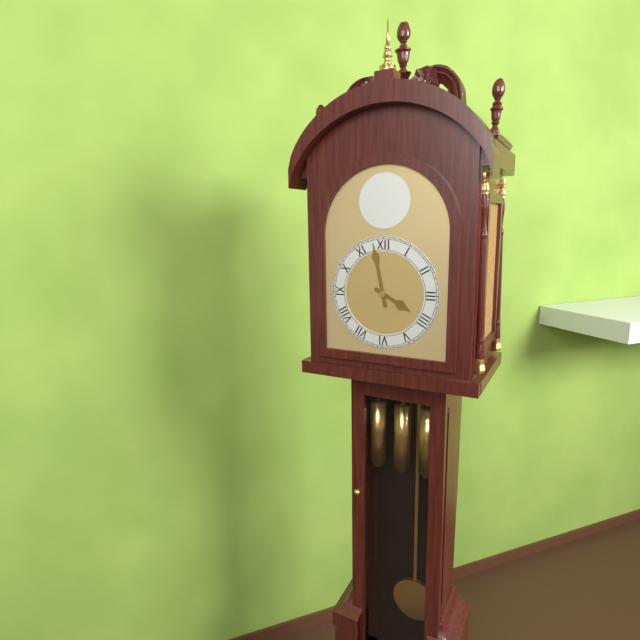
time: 3:58
